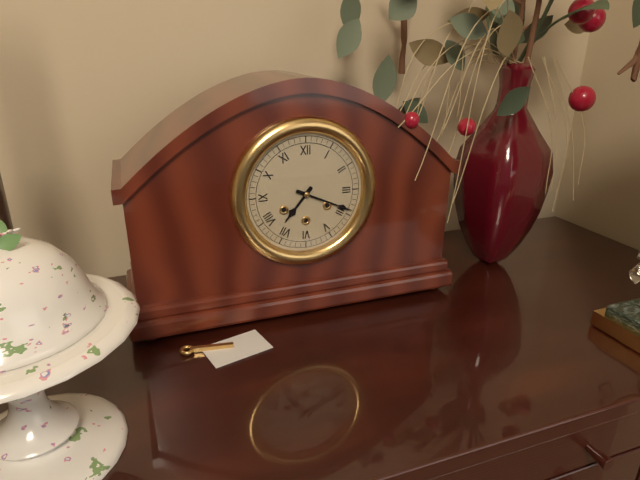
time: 7:19
